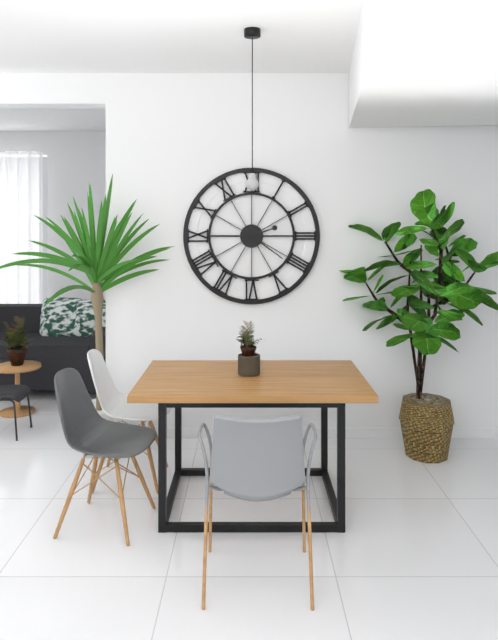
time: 2:21
